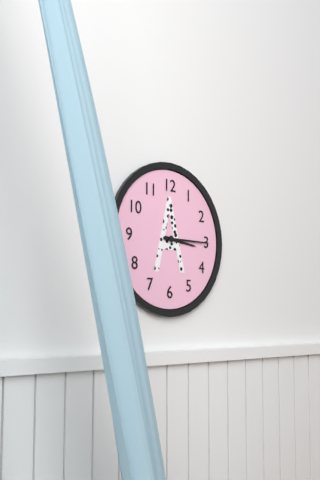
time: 3:15
